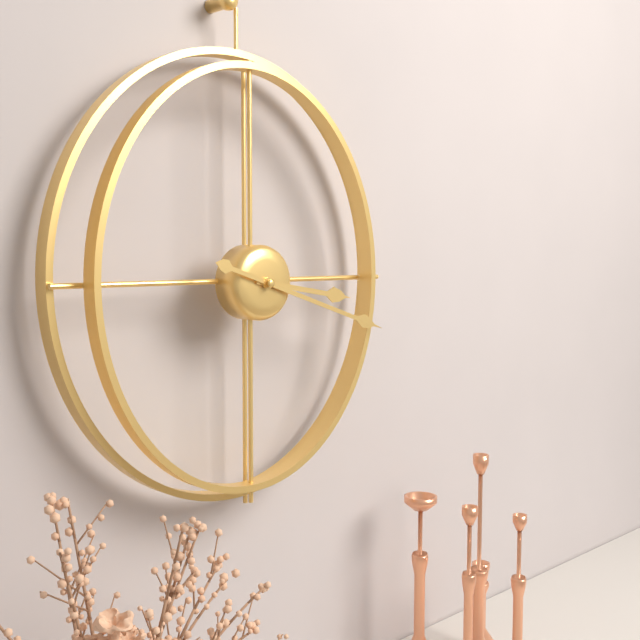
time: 3:18
